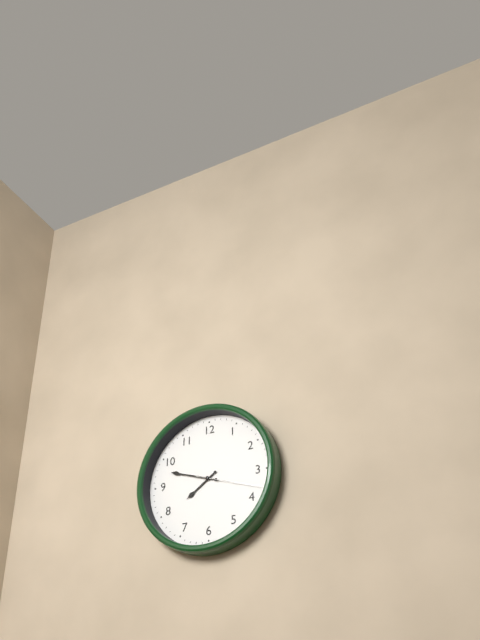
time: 7:48:18
